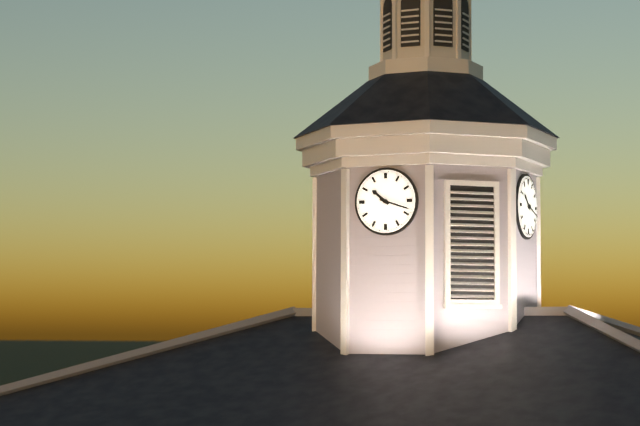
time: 10:18
